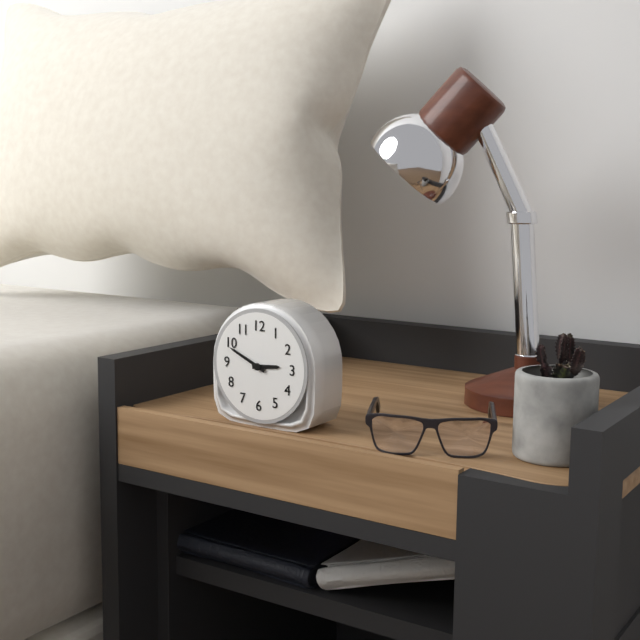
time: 2:49
